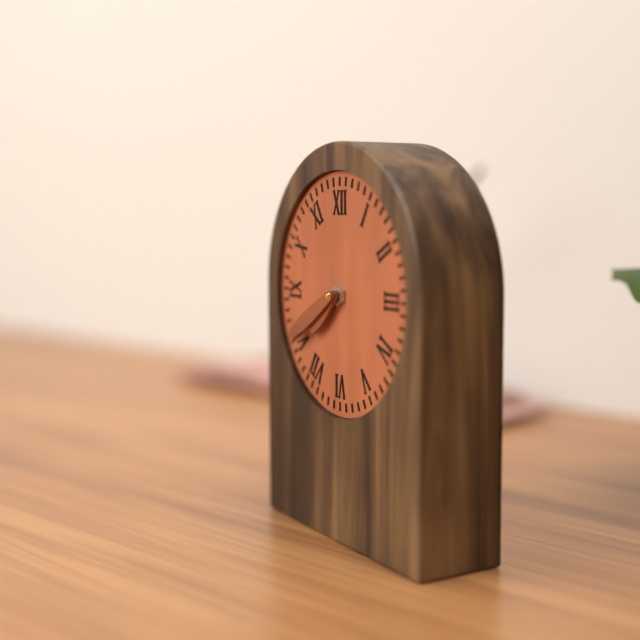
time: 7:40
